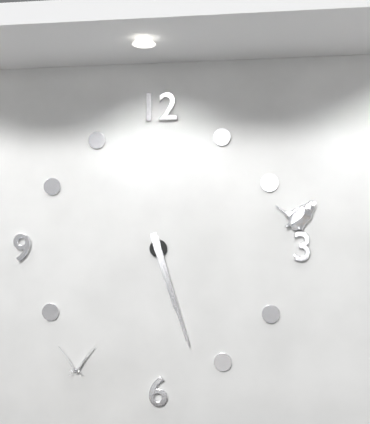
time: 5:27
